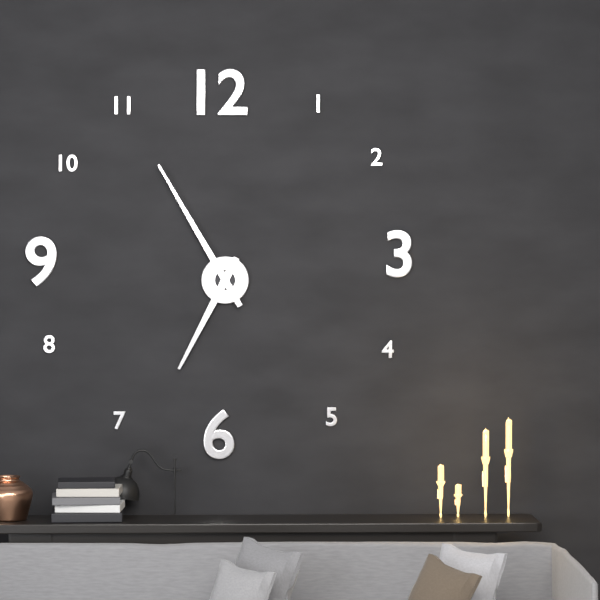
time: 6:55
